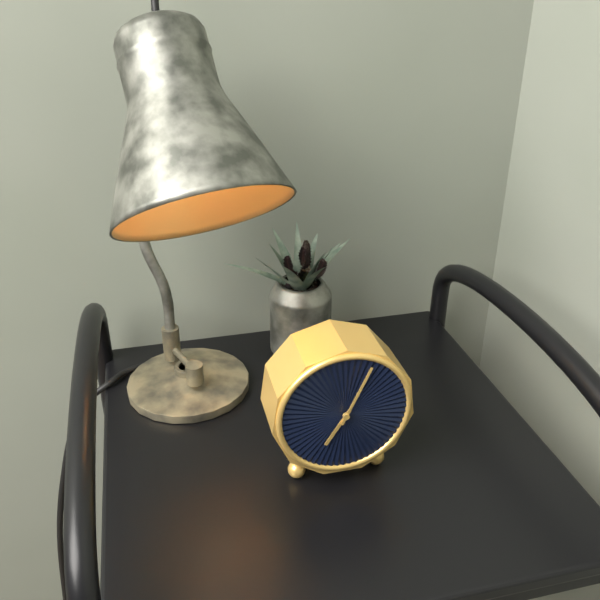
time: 7:04
